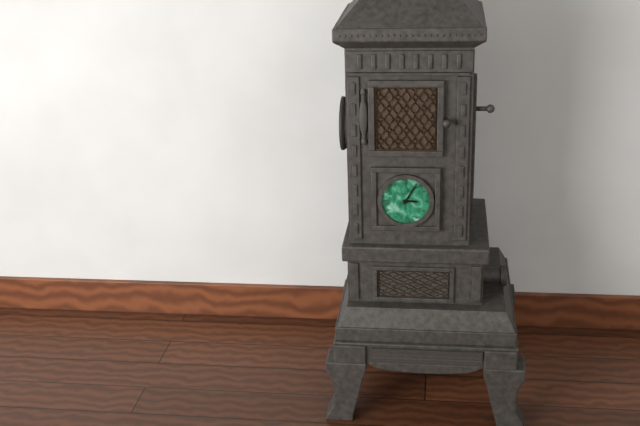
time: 3:05
